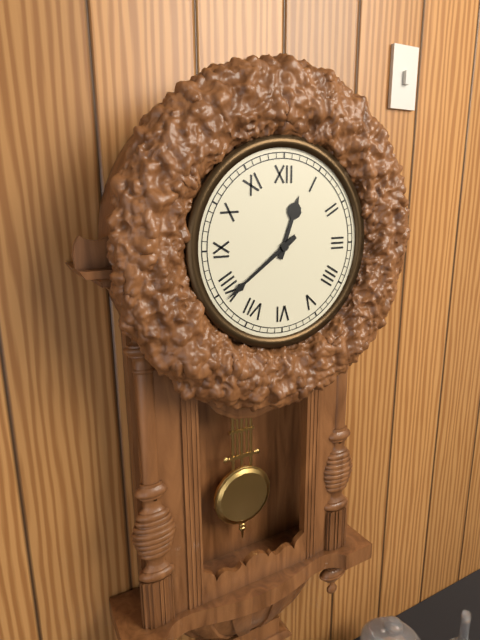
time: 12:39
